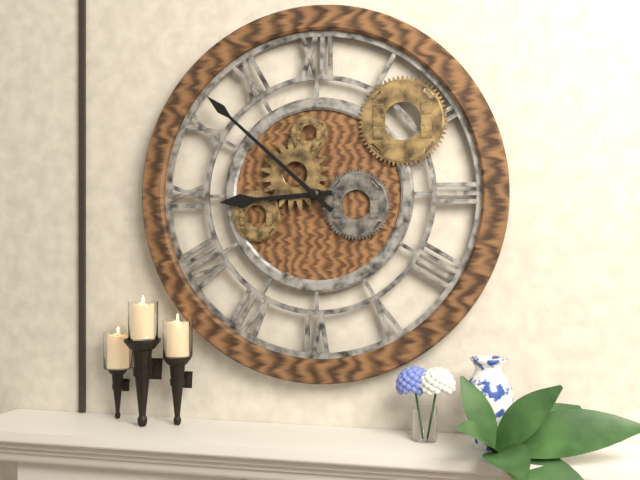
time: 8:52
